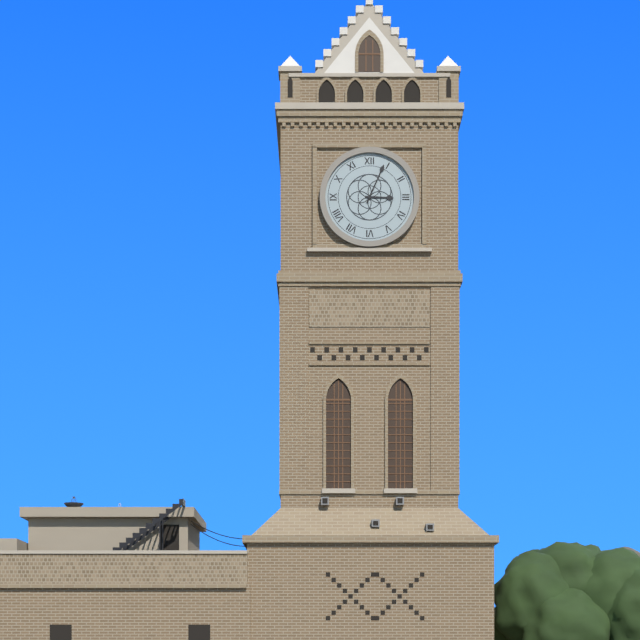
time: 3:04
